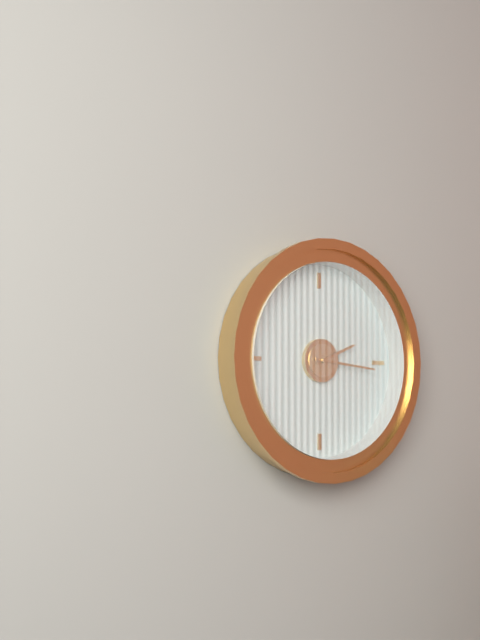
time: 2:16
